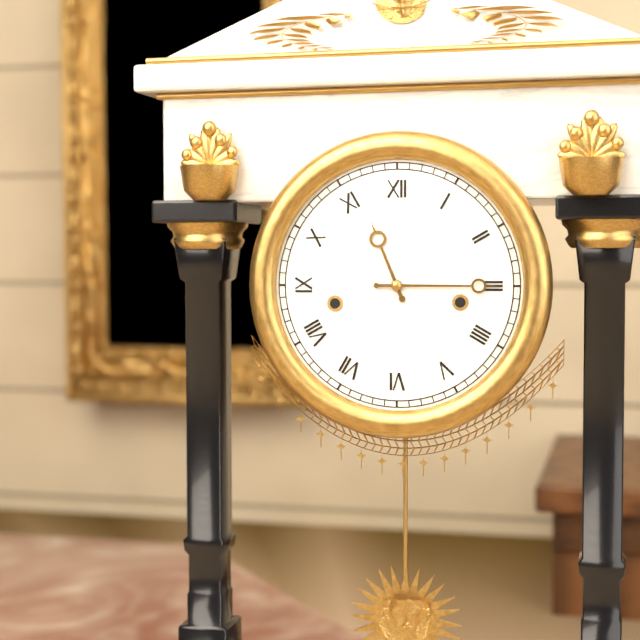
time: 11:15
